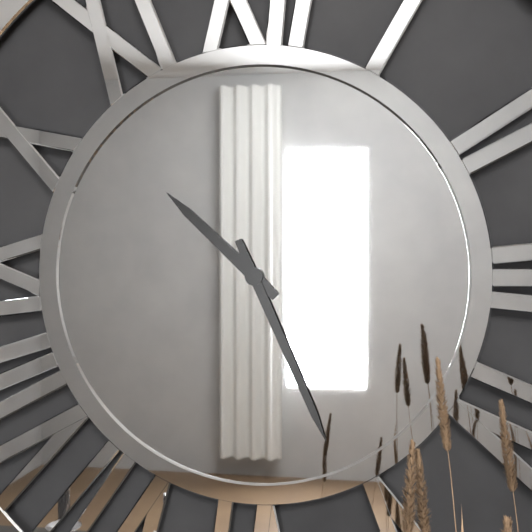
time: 10:26
